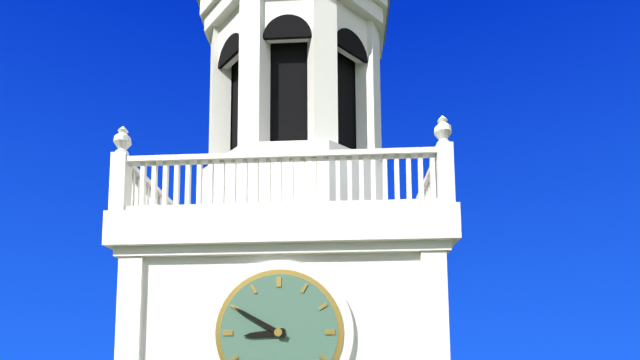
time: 8:50
